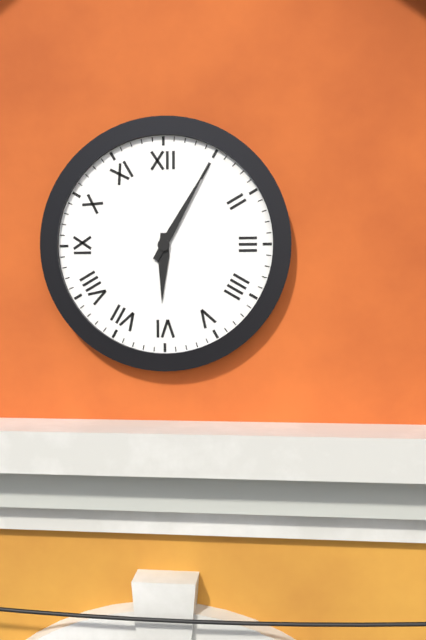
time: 6:05
